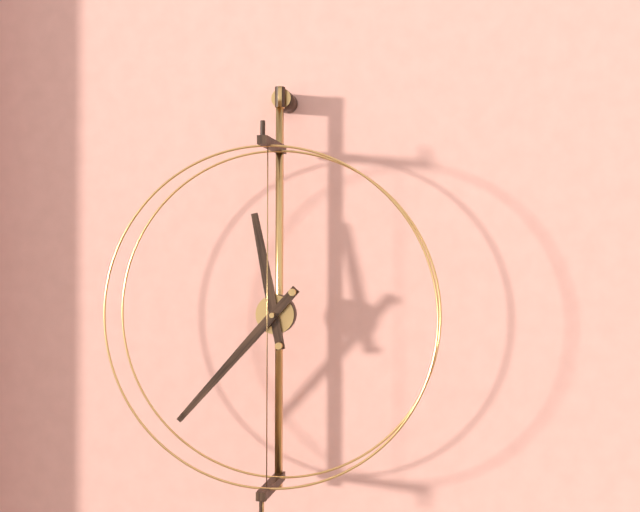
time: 11:37
